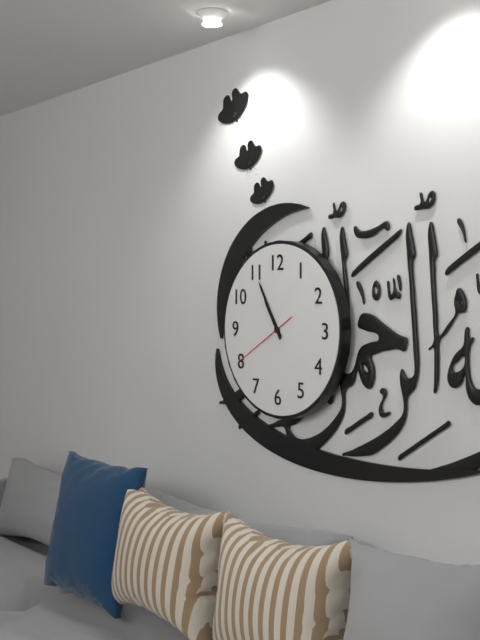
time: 10:55:40
